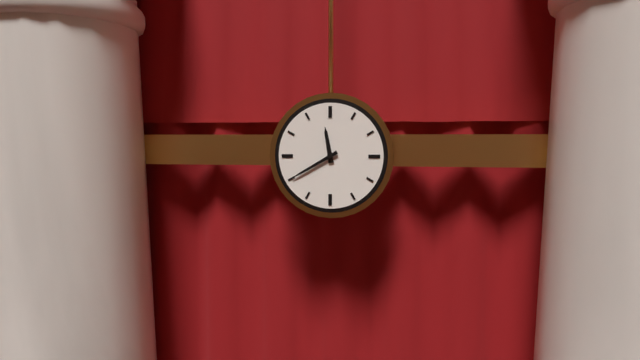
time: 11:40
